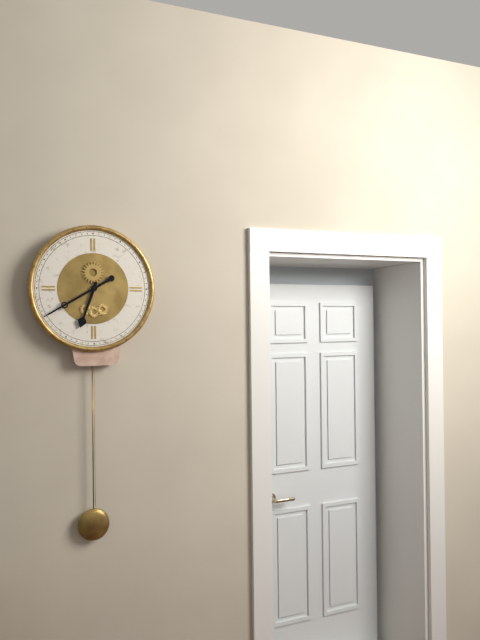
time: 6:40
